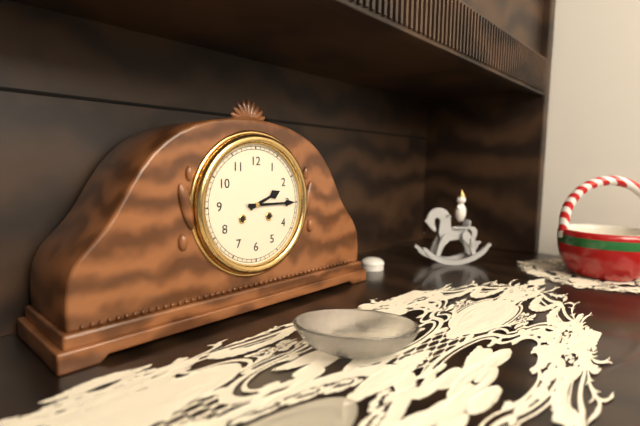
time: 2:15
